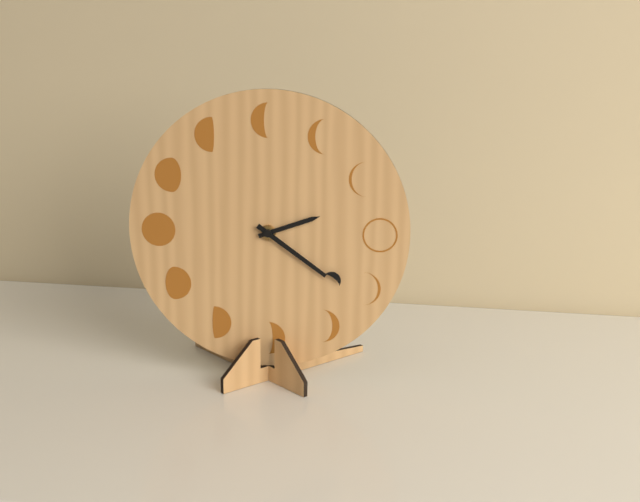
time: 2:21
